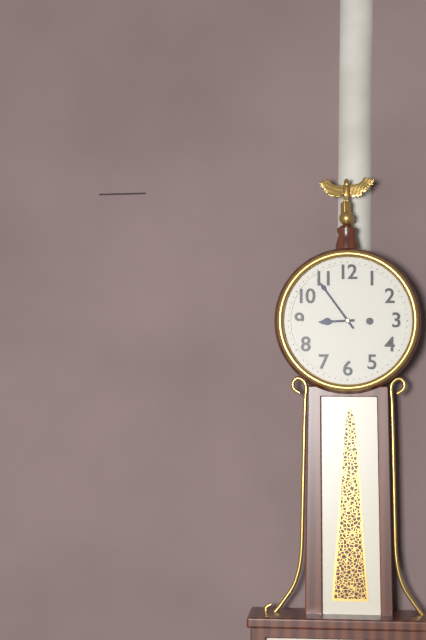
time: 8:54
